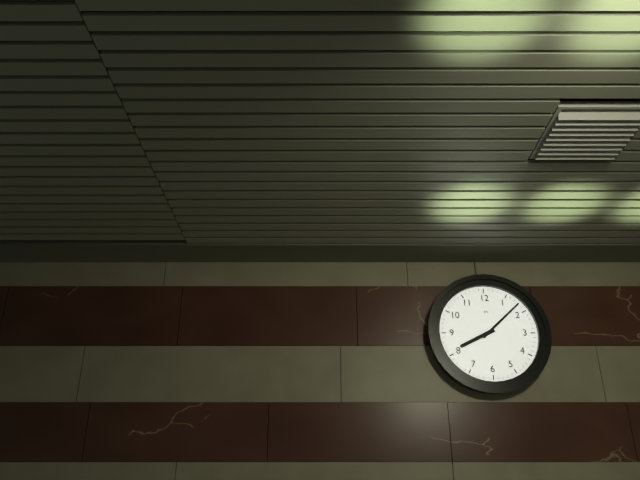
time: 8:08
